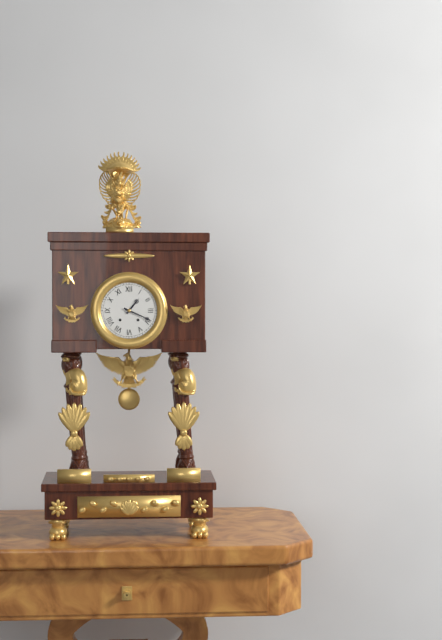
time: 1:19
